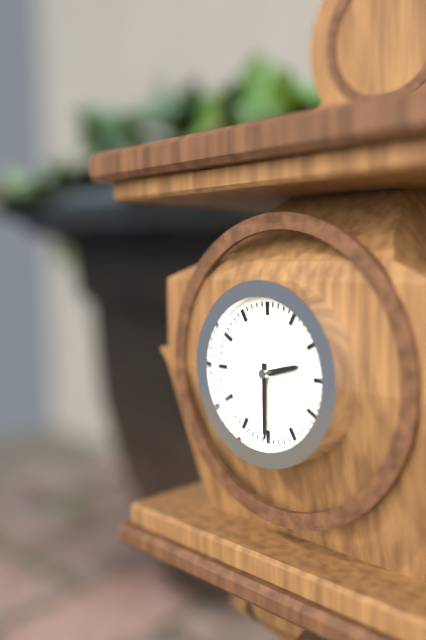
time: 2:30
